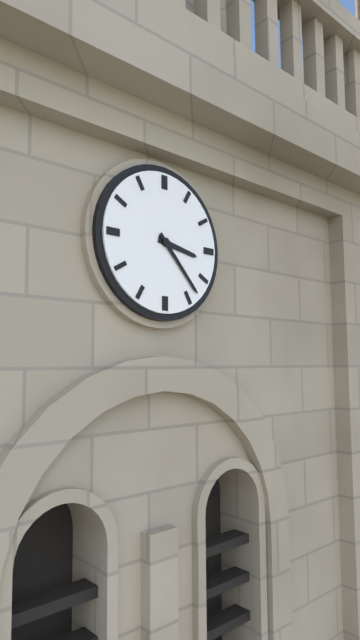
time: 3:23
